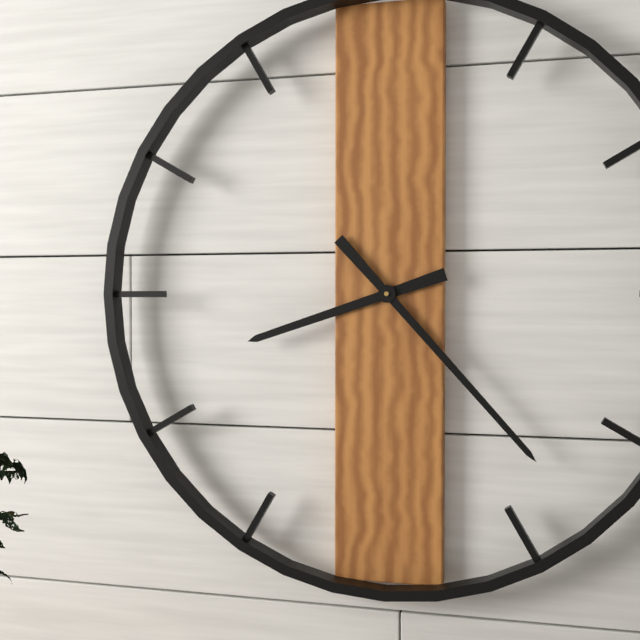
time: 8:23
